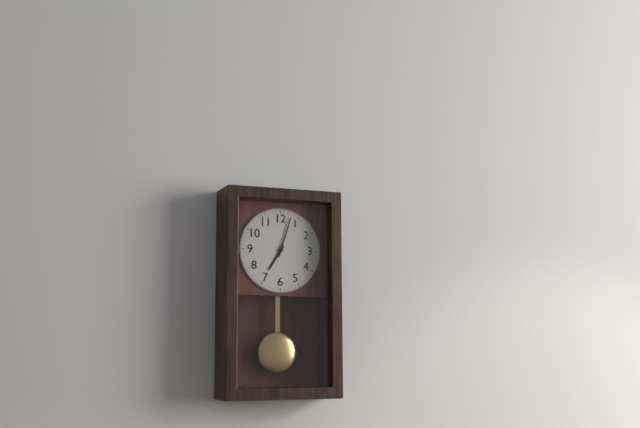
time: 7:03
